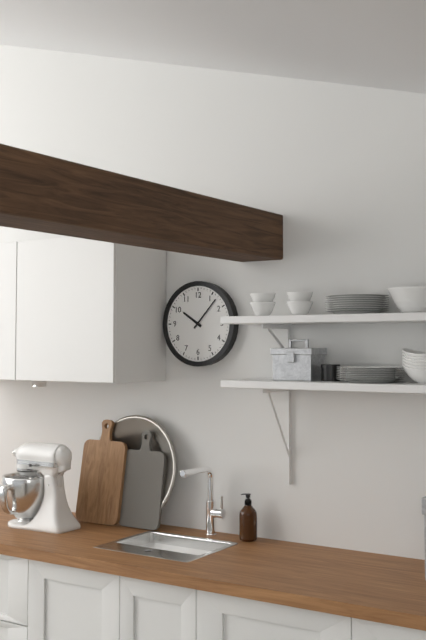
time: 10:07
